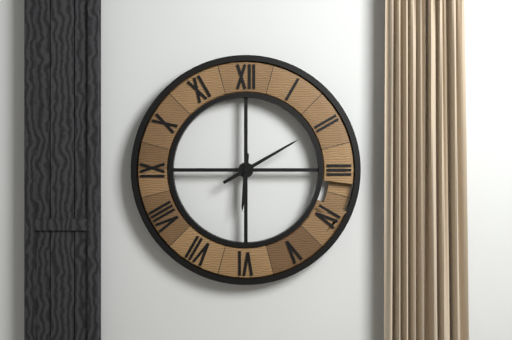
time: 6:10
